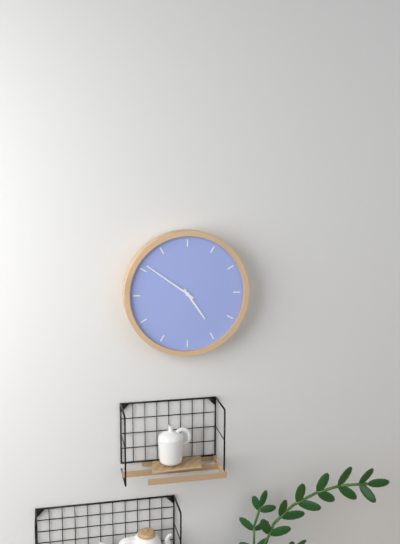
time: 4:51
